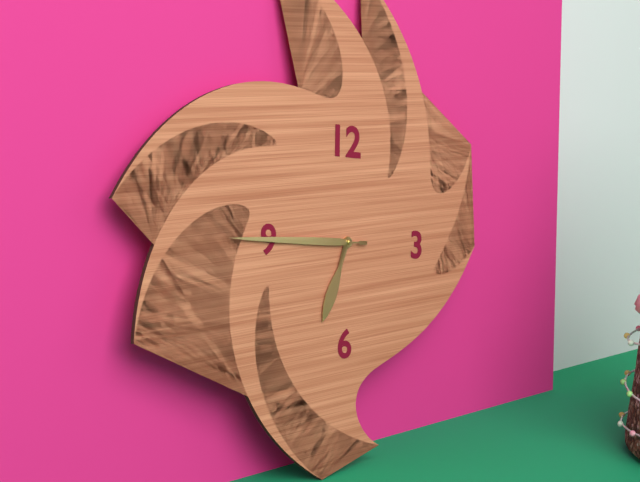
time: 6:45:45
